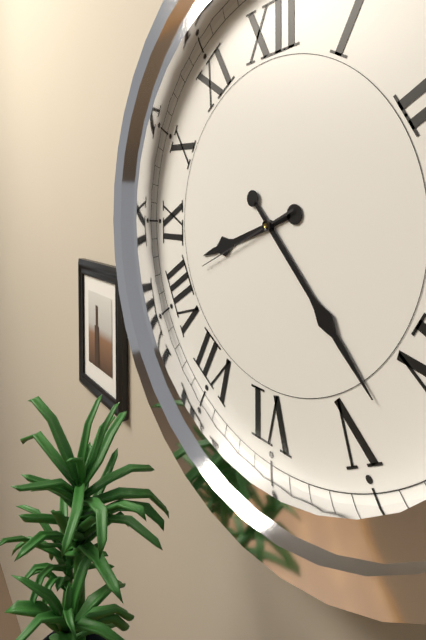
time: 8:23:41
